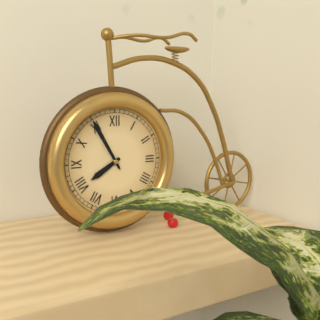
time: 7:55
